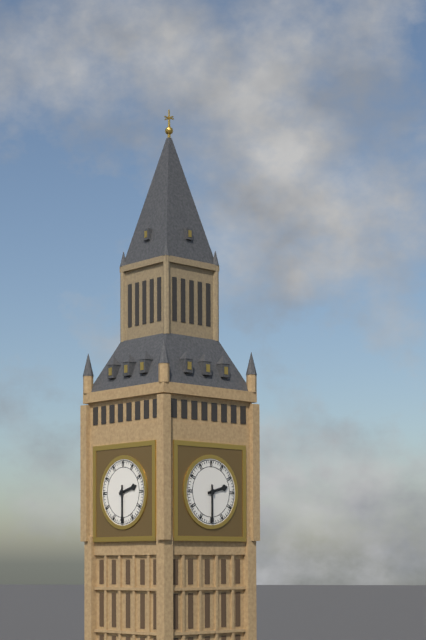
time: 2:30
